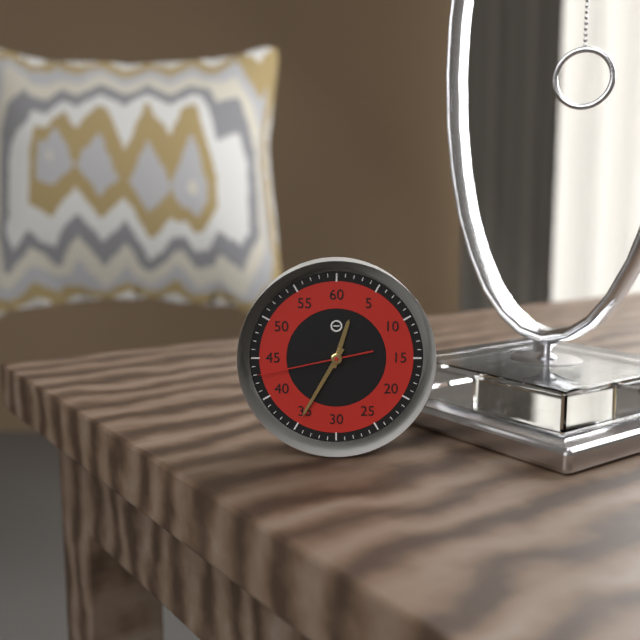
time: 12:35:43
